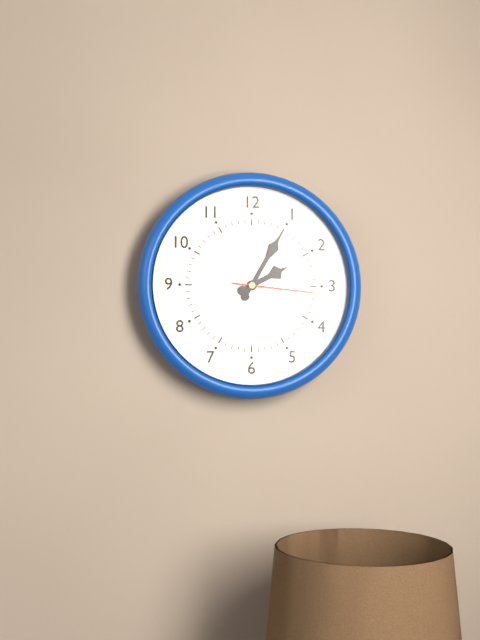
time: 2:05:16
